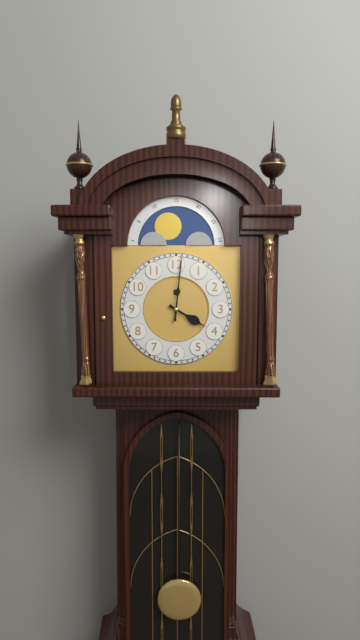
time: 4:01
